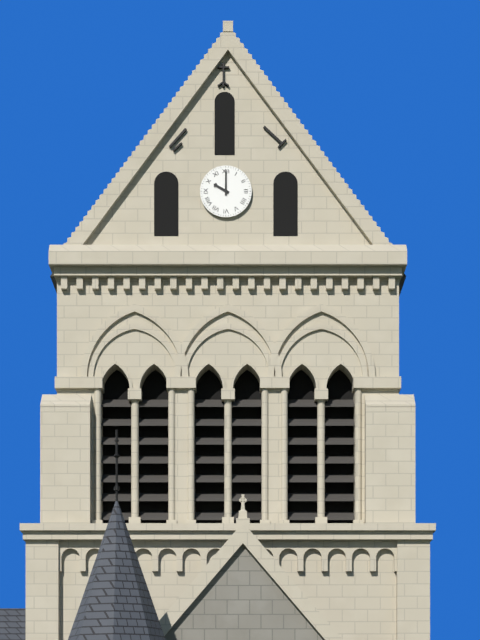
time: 10:00
